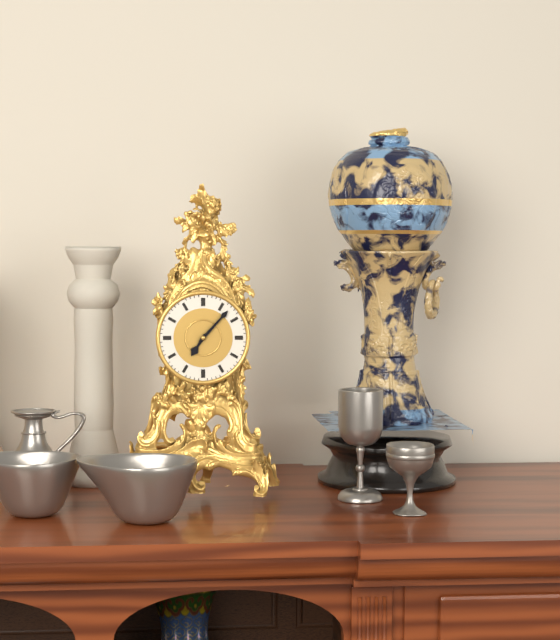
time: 7:07
